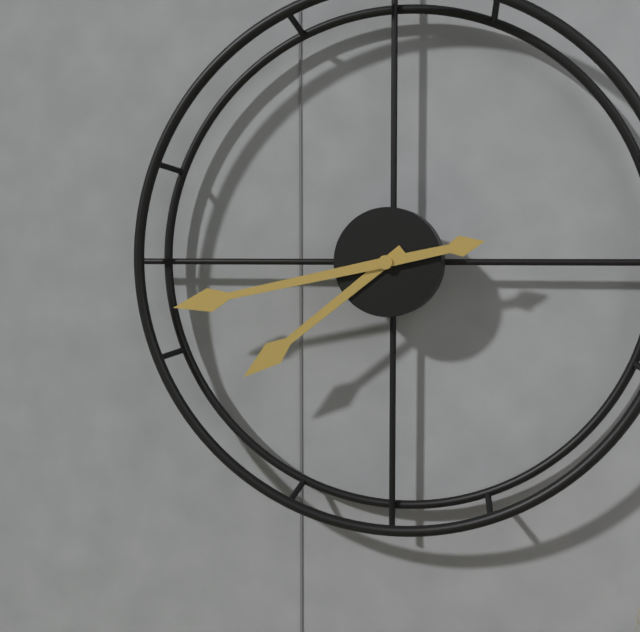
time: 7:43
